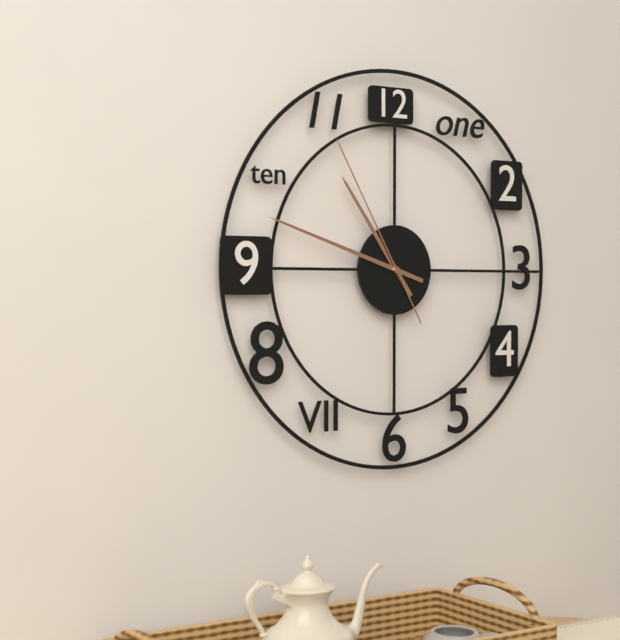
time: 10:48:55
